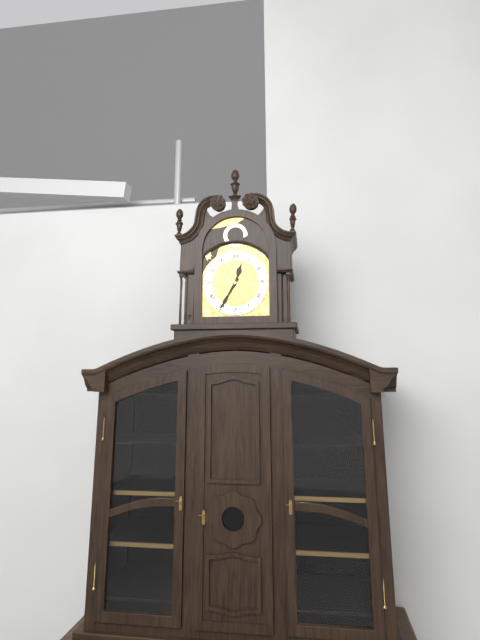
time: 12:35
